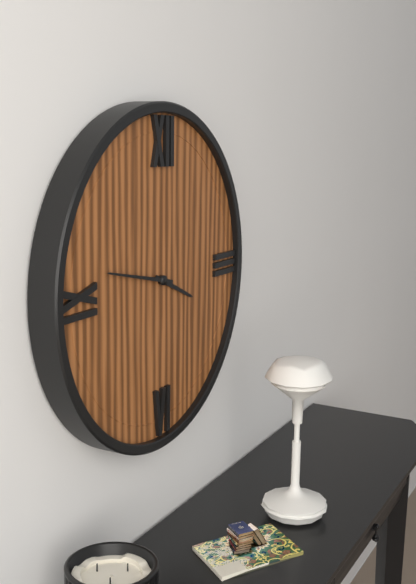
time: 3:47
